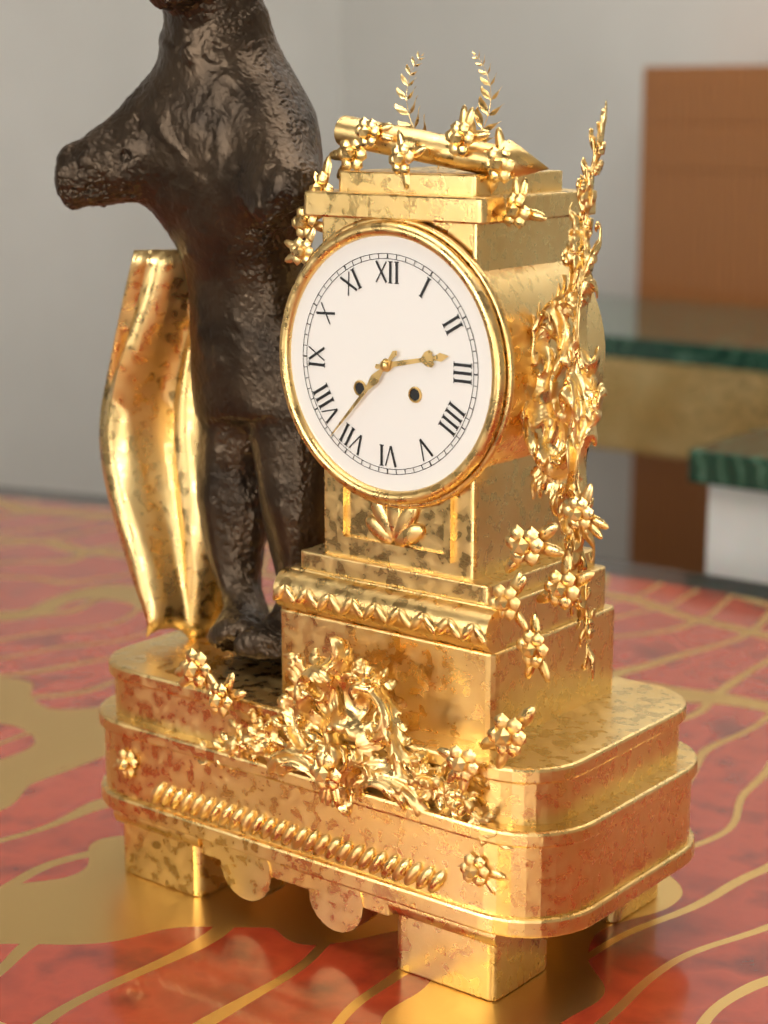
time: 2:37
